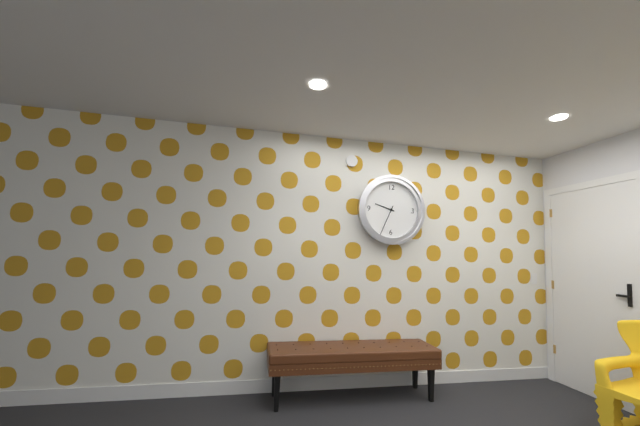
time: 9:34
